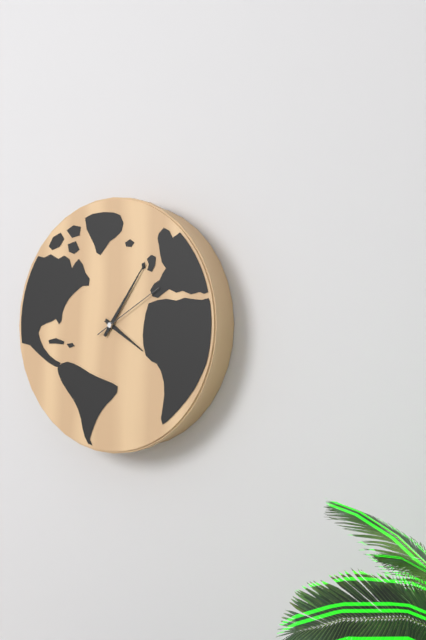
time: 4:06:10
